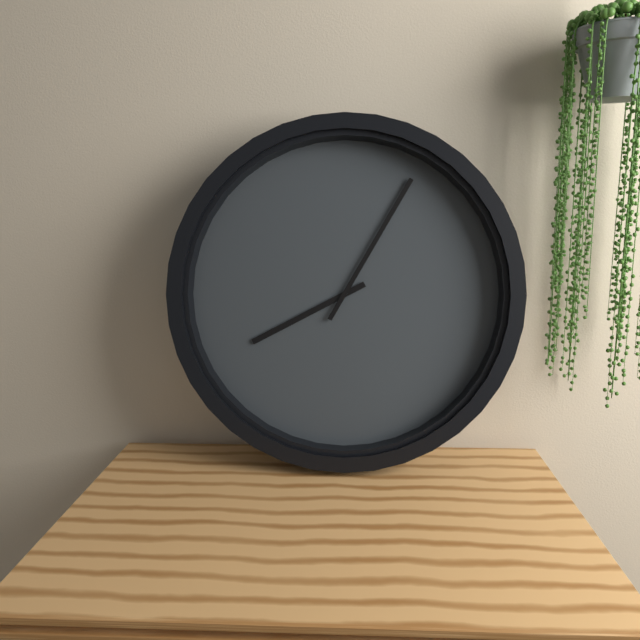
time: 8:05
